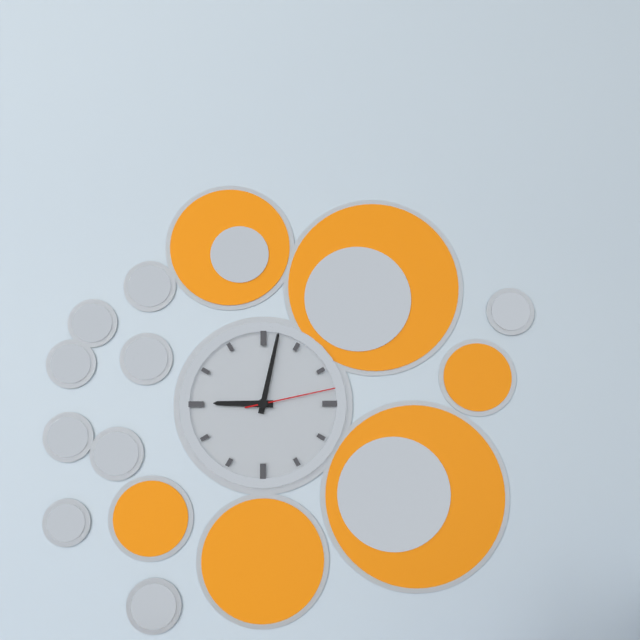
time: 9:02:13
